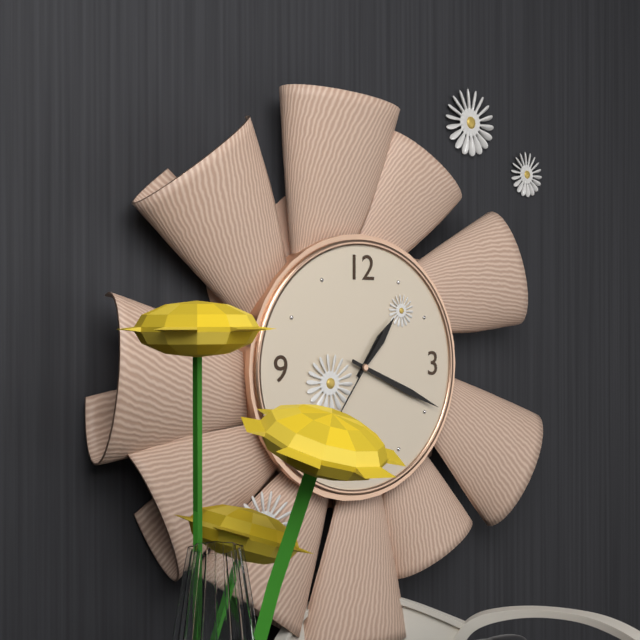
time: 1:19
